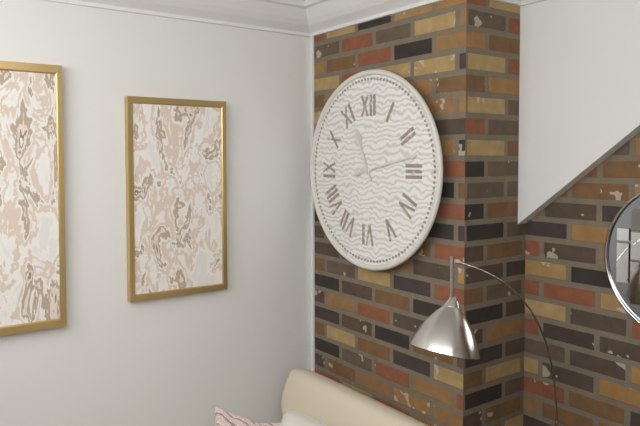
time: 11:13
